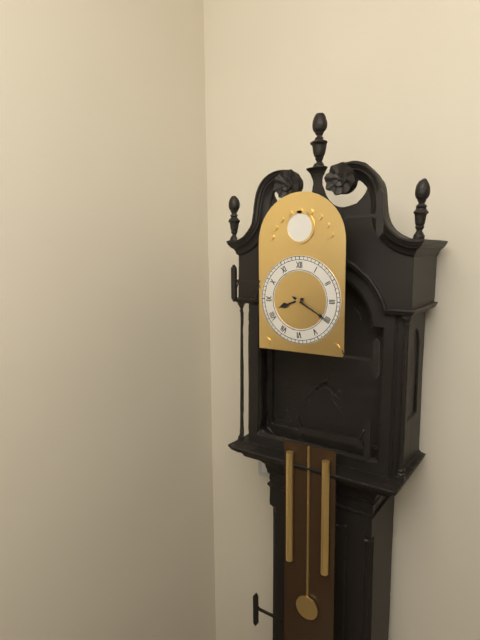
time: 8:20
